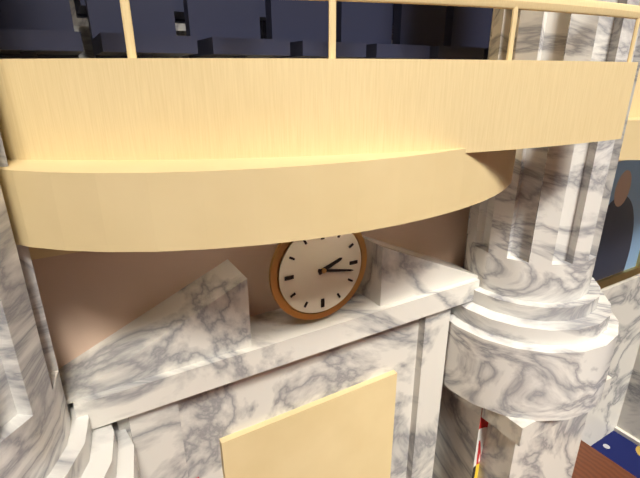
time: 2:17
